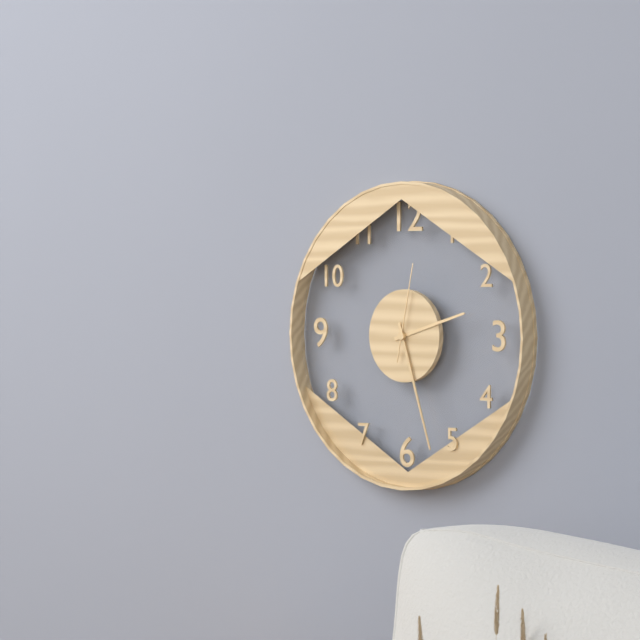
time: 2:27:02
